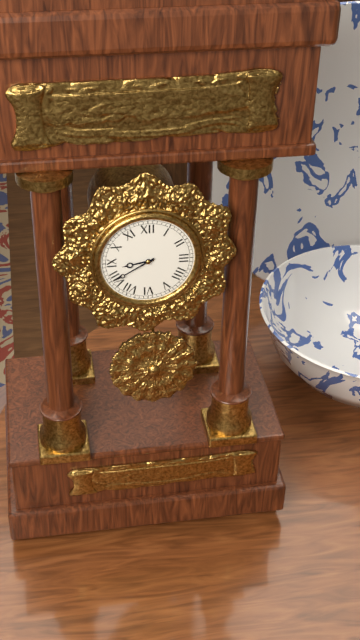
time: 8:40
